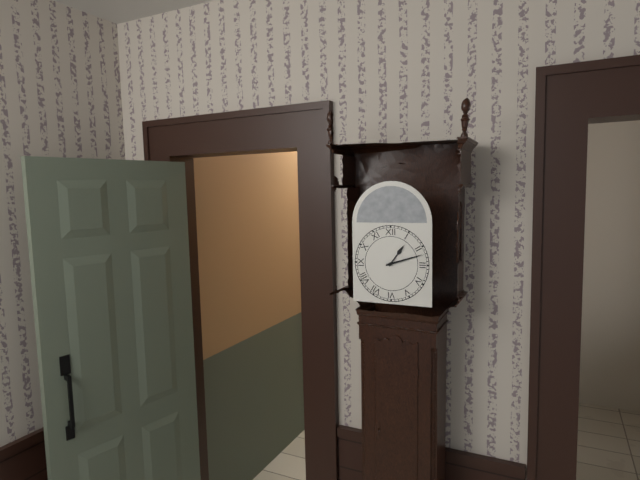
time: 1:12
